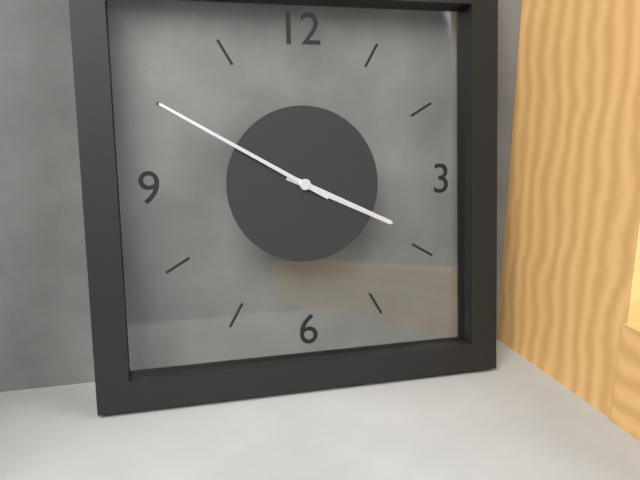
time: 3:50
